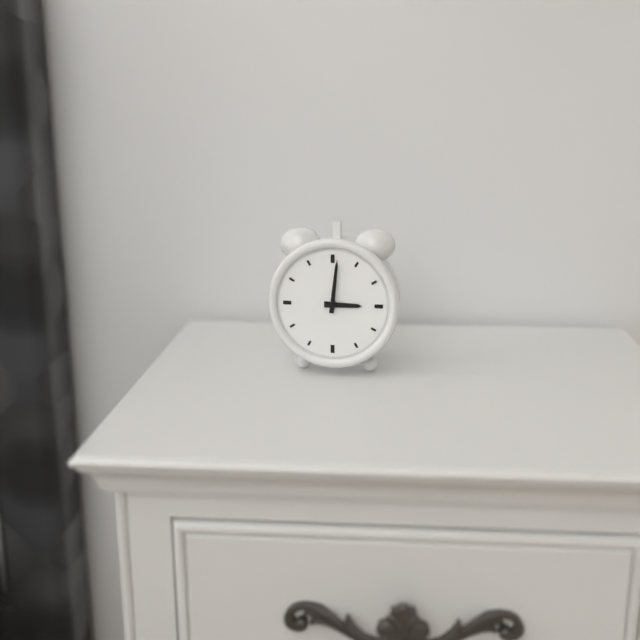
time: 3:01
